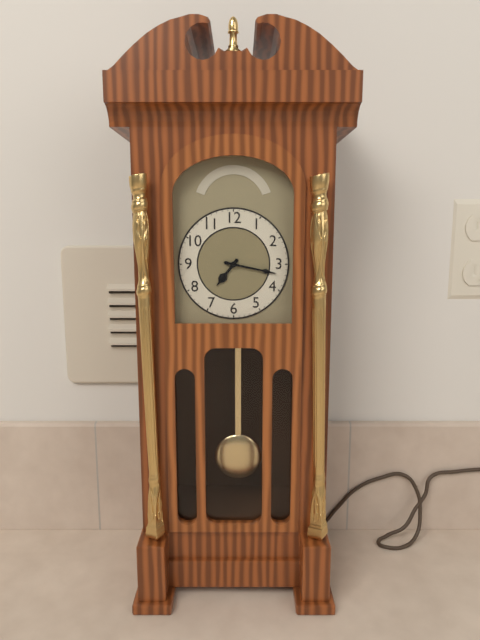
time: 7:17
